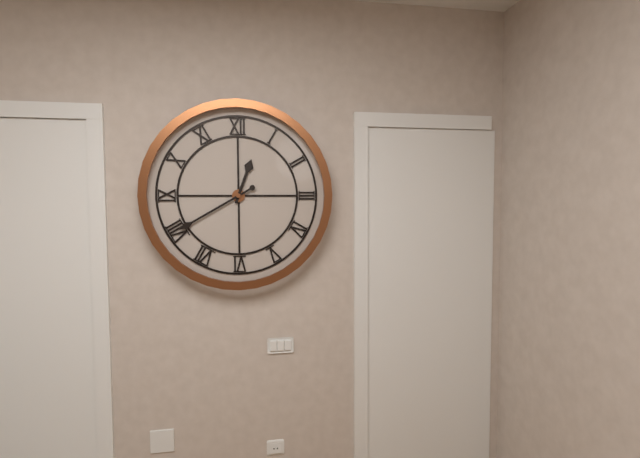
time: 12:40
